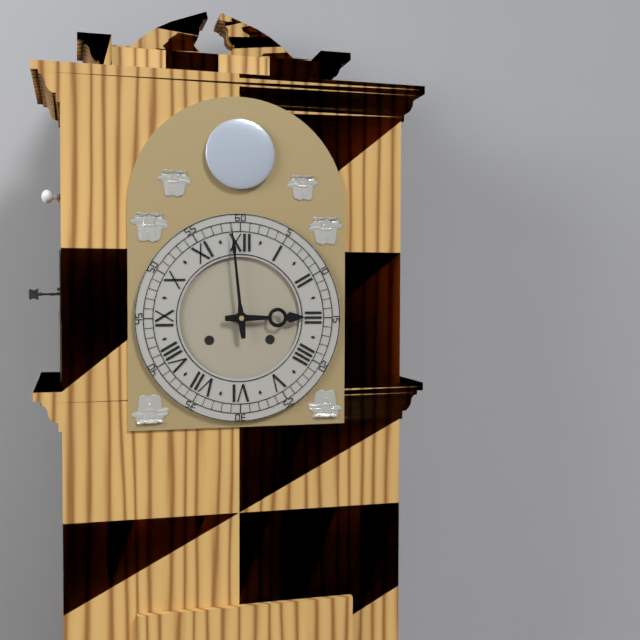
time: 2:59
